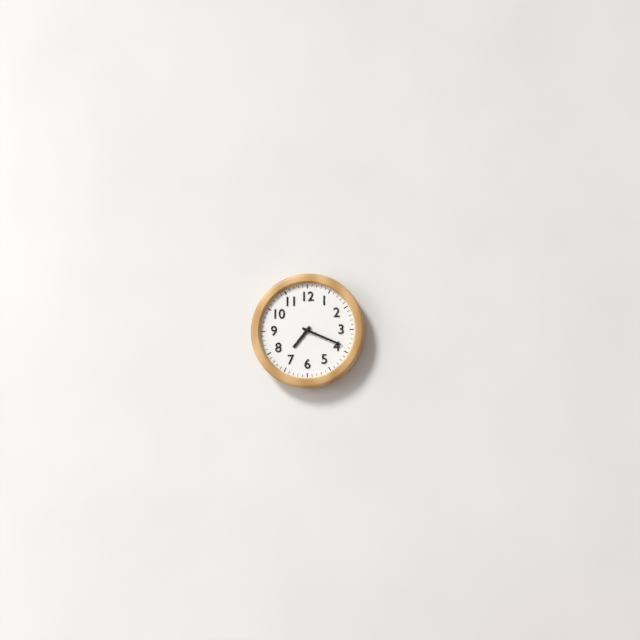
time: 7:19
